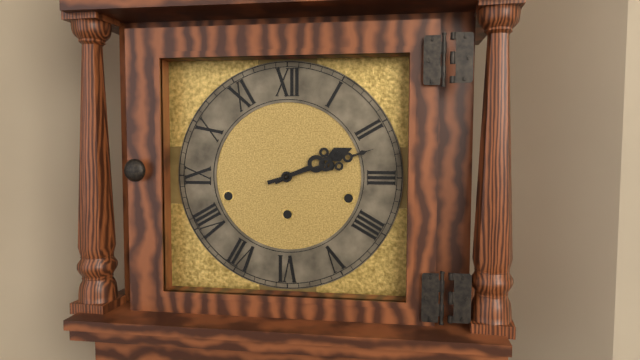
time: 2:12
